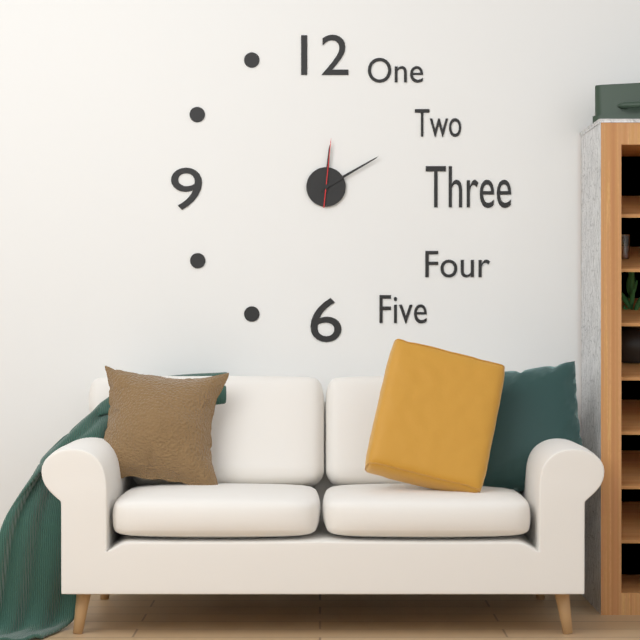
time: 12:10:01
